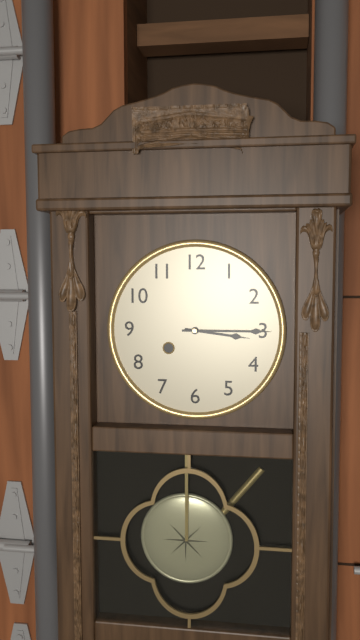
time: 3:15
